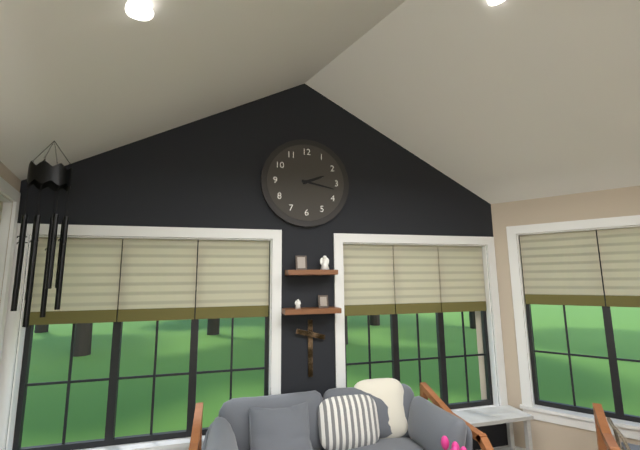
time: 2:17
